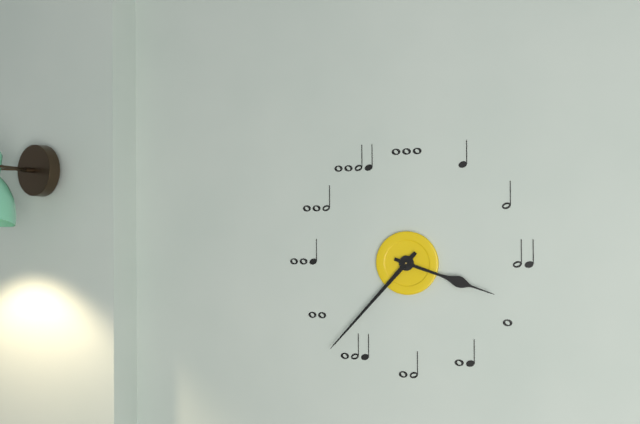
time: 3:37
